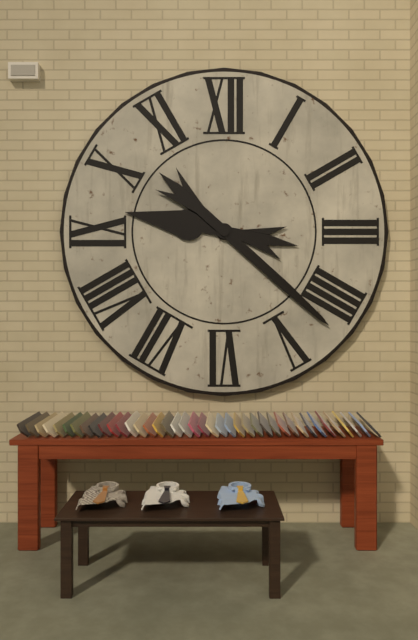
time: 9:22
